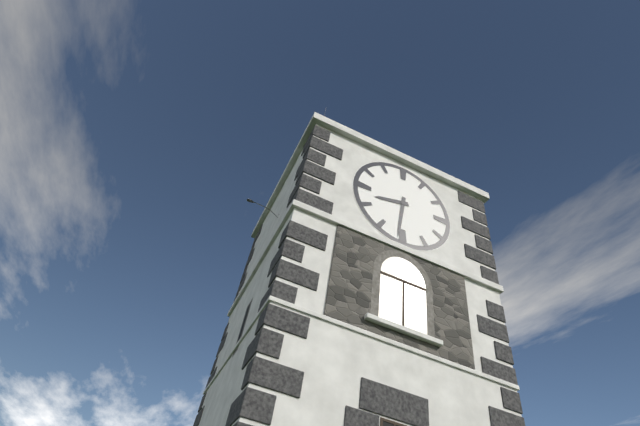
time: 8:31
